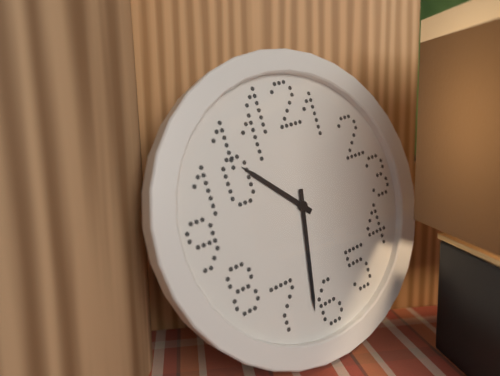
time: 10:32
